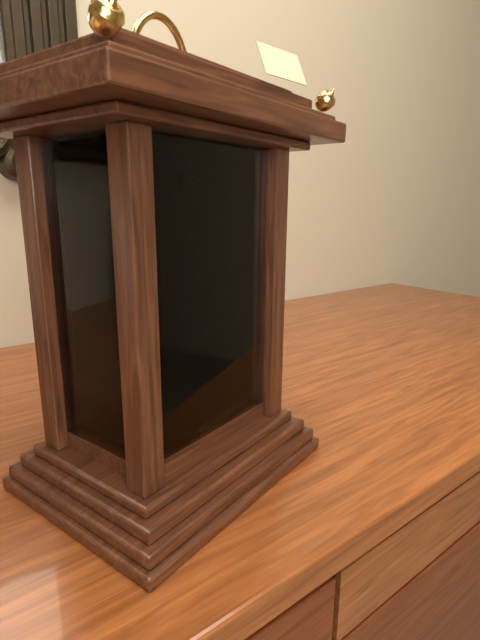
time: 1:29
